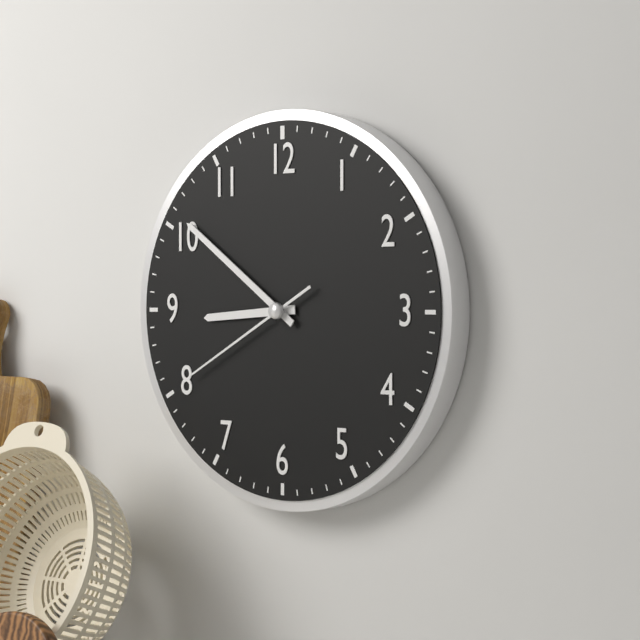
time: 8:51:40
